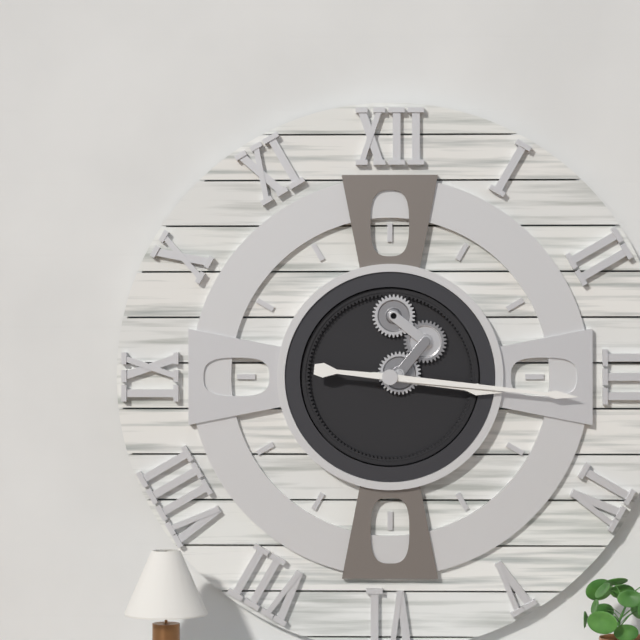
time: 3:16
